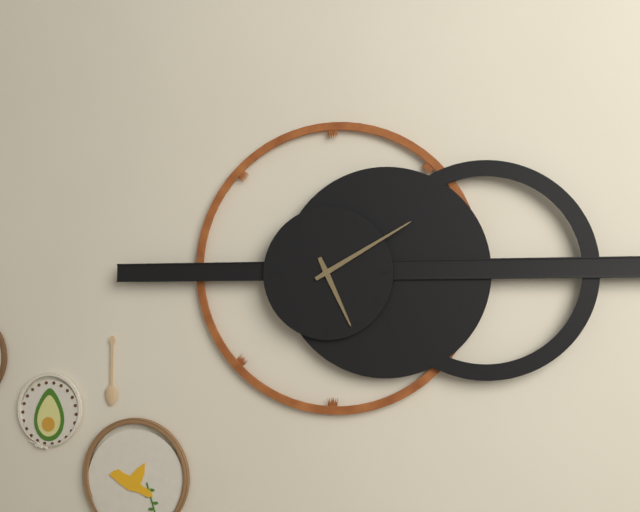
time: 5:10
